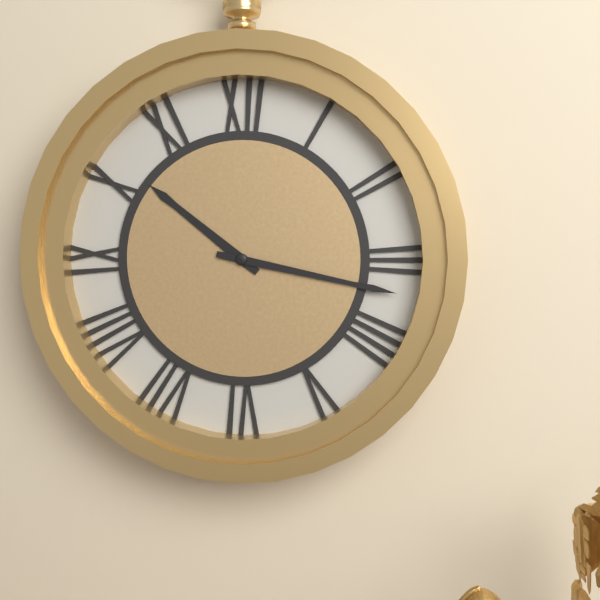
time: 10:17
